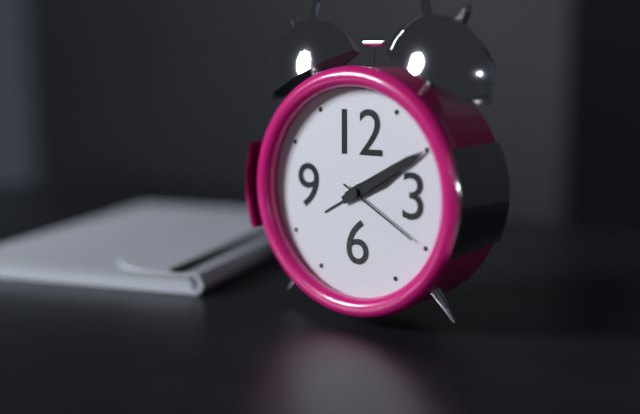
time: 2:10:20
